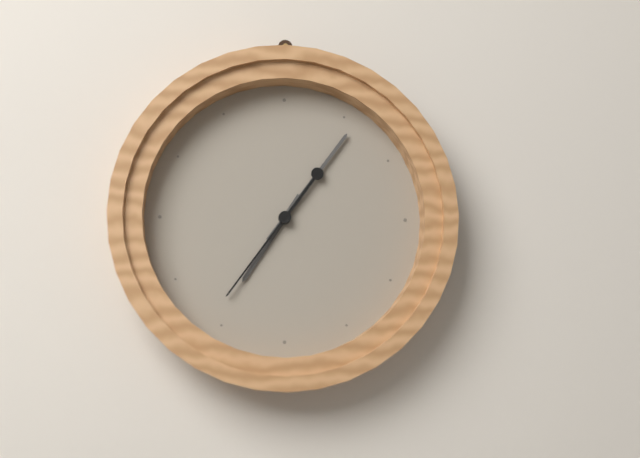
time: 7:06:36
